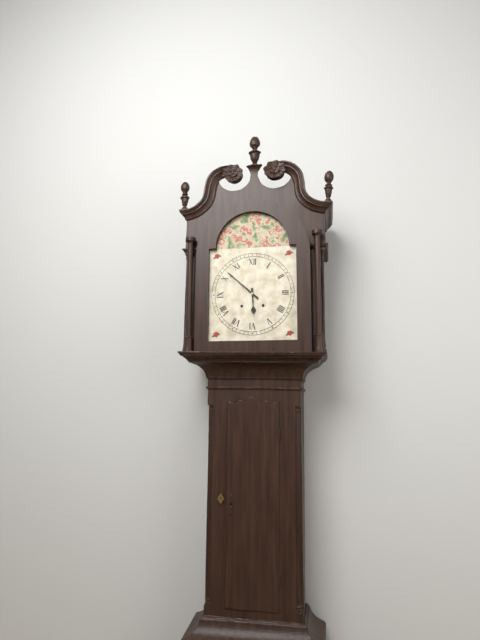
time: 5:52
